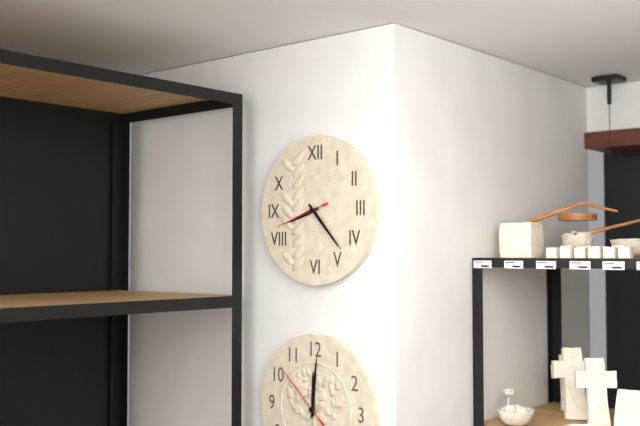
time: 8:23
